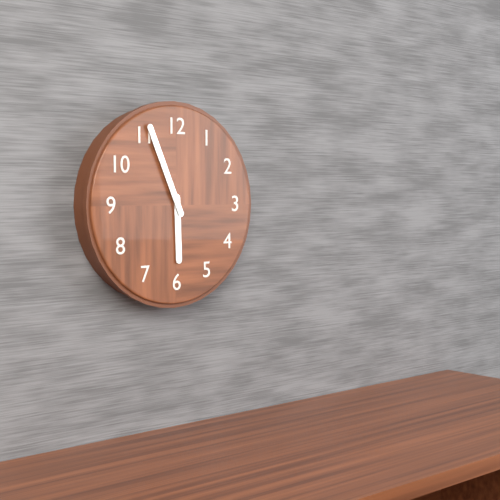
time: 5:56
